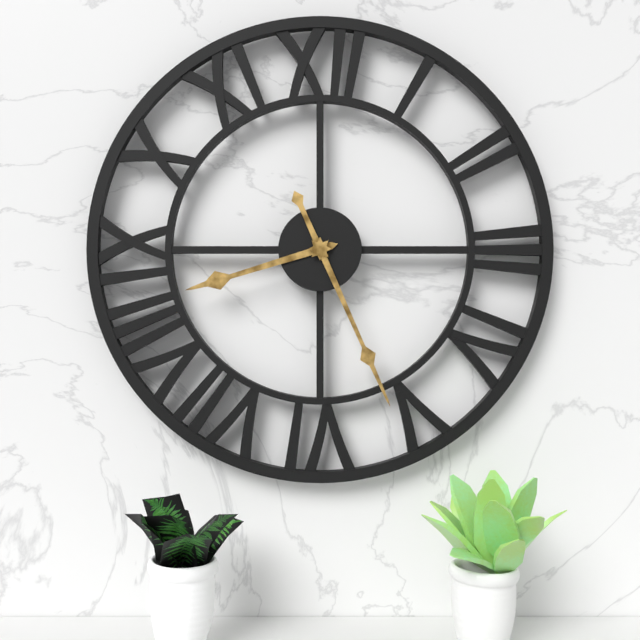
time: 8:26
